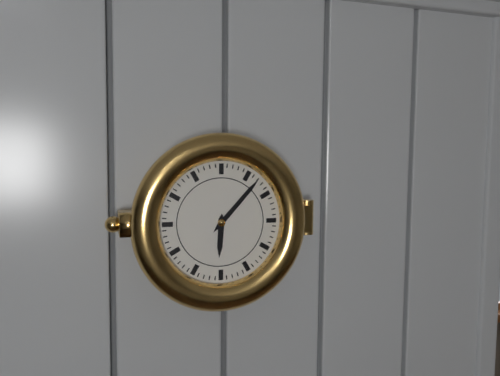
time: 6:07
